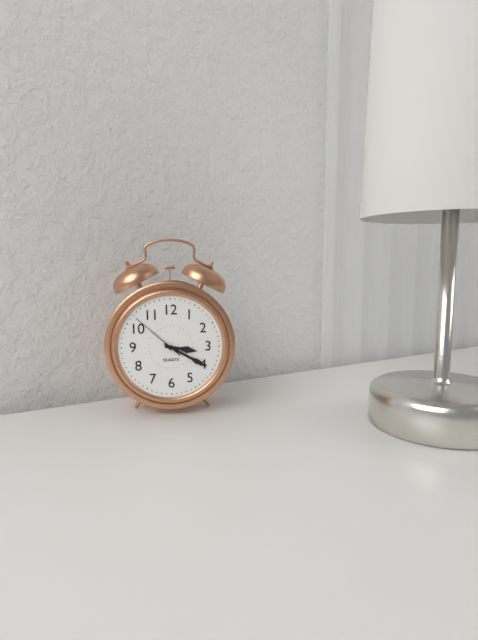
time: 3:20:52
